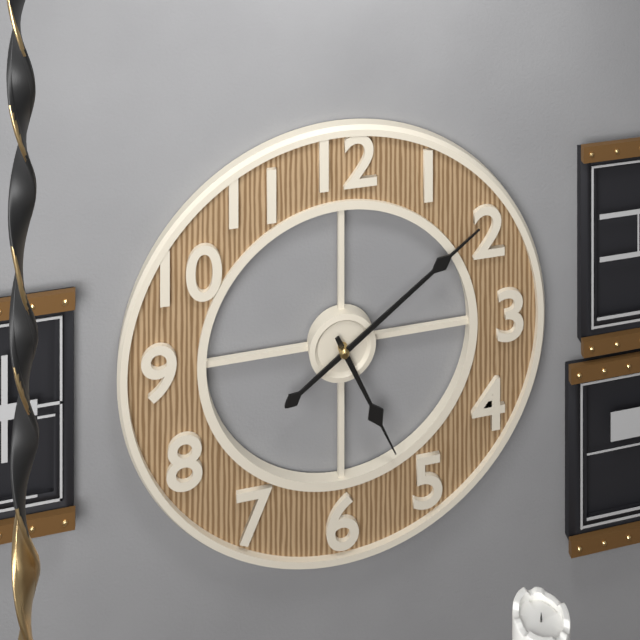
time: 5:09
